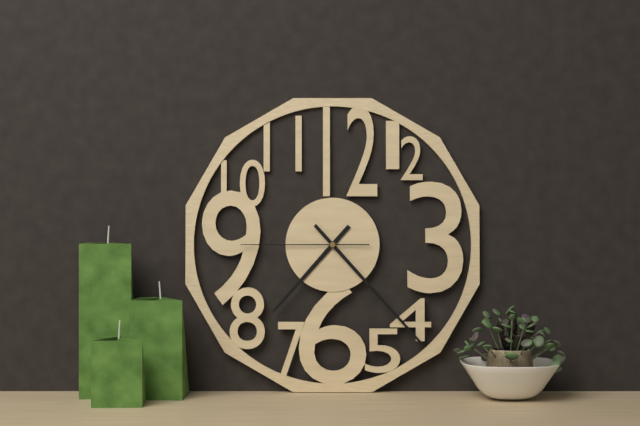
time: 7:23:45
